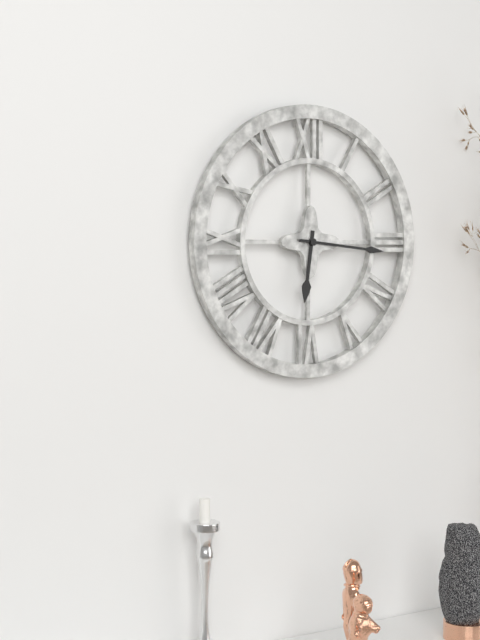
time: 6:16
